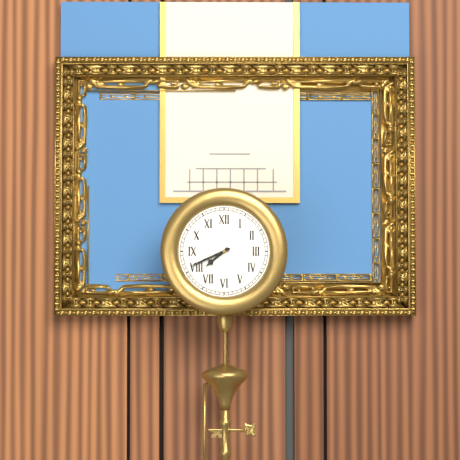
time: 7:41
